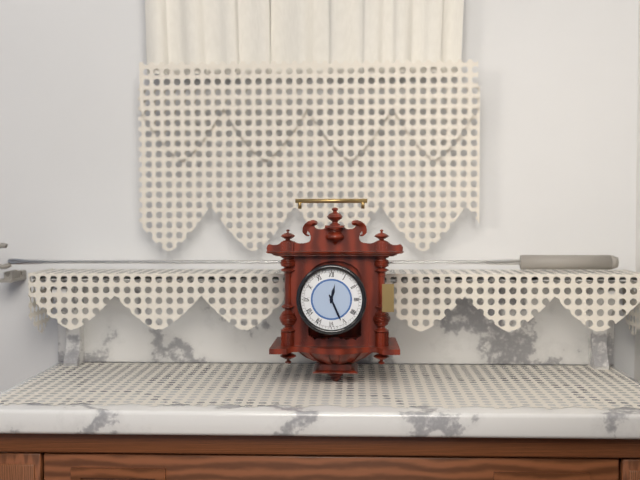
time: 12:26
